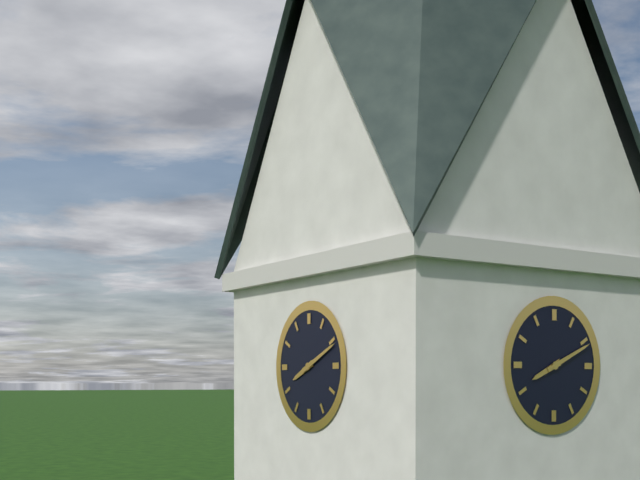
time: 8:11
